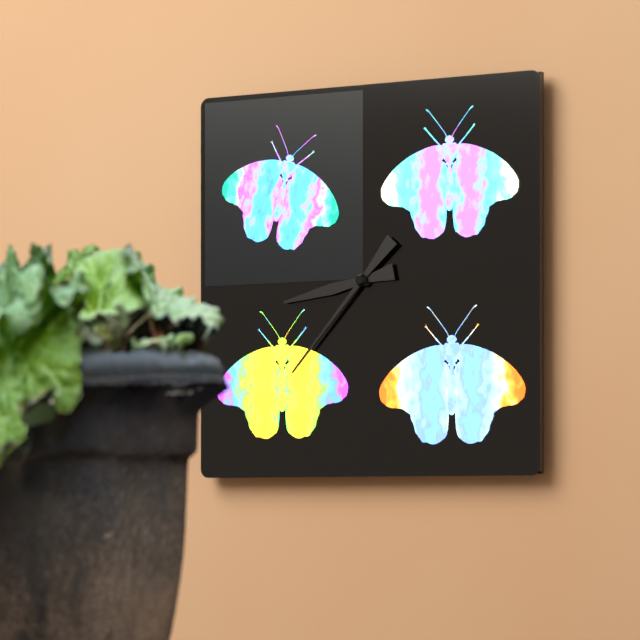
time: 8:37
